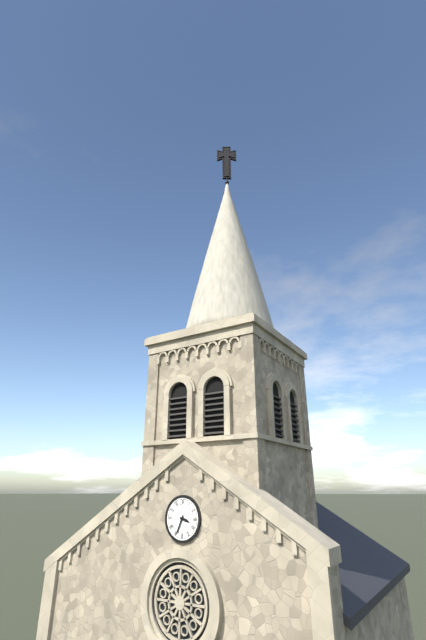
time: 3:34
